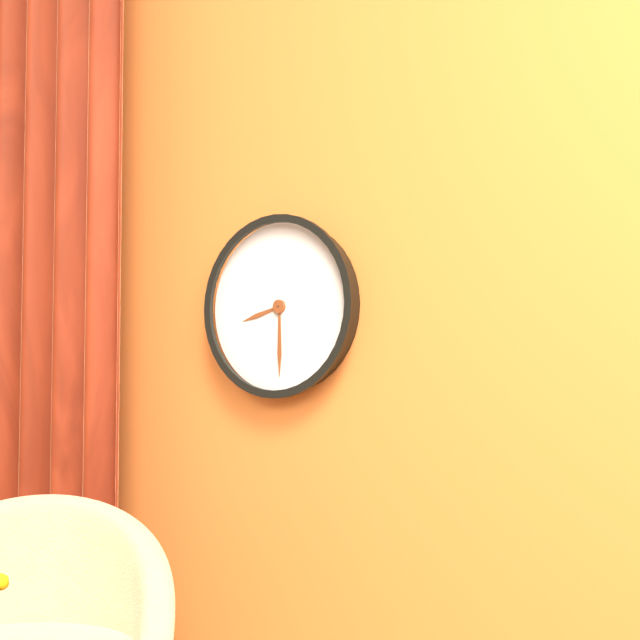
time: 8:30
